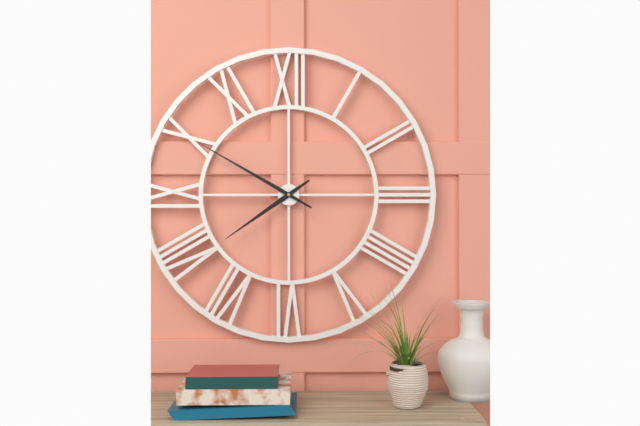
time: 7:50
